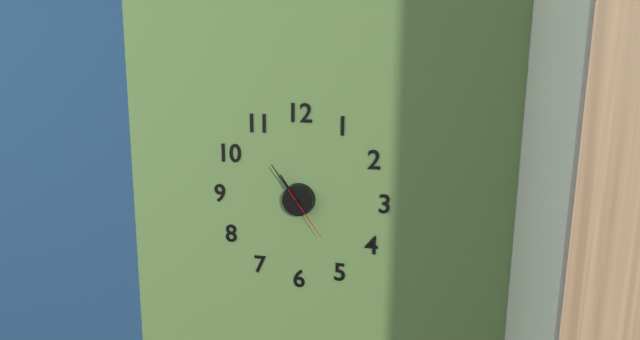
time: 10:54:24
